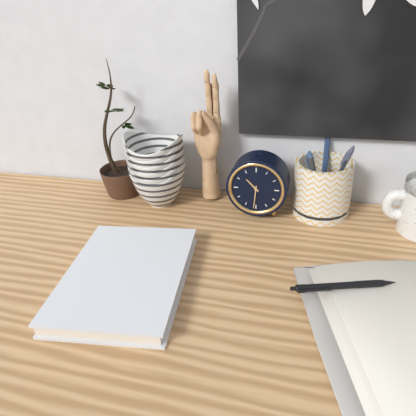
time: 10:31
